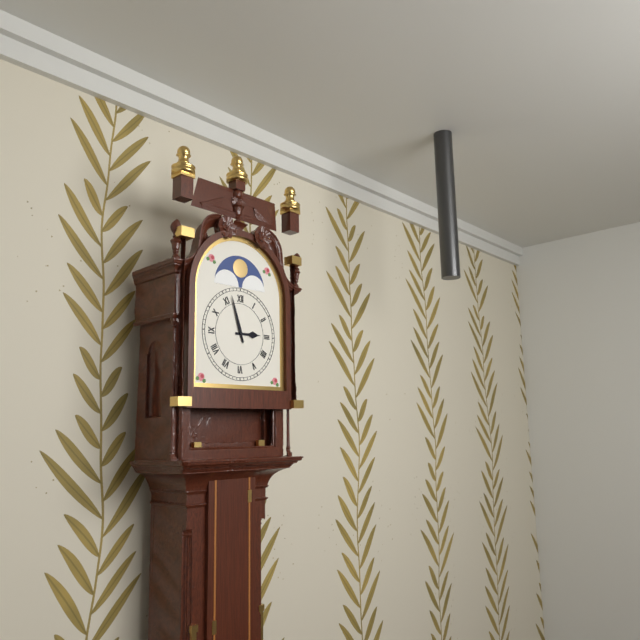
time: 2:57
